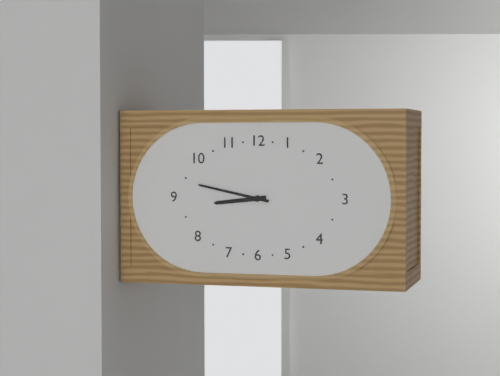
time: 8:47
